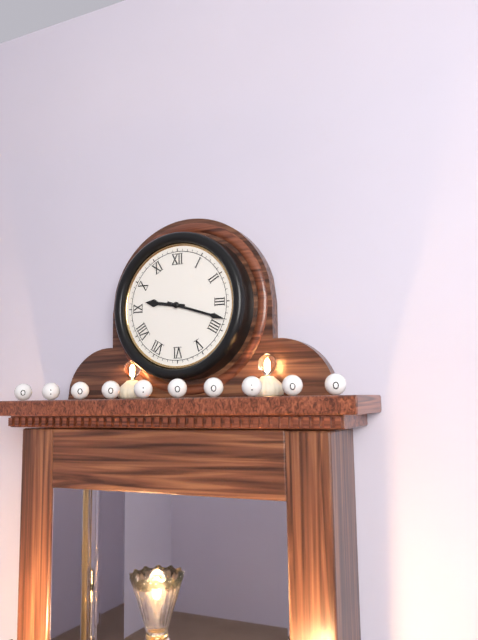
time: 9:18
